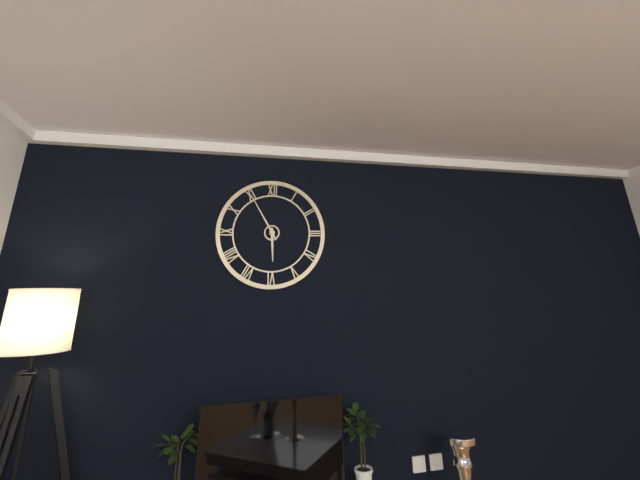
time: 5:55
